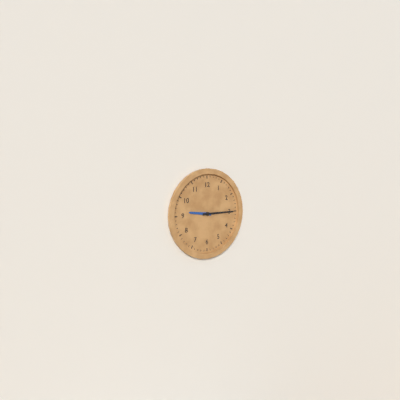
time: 9:15
